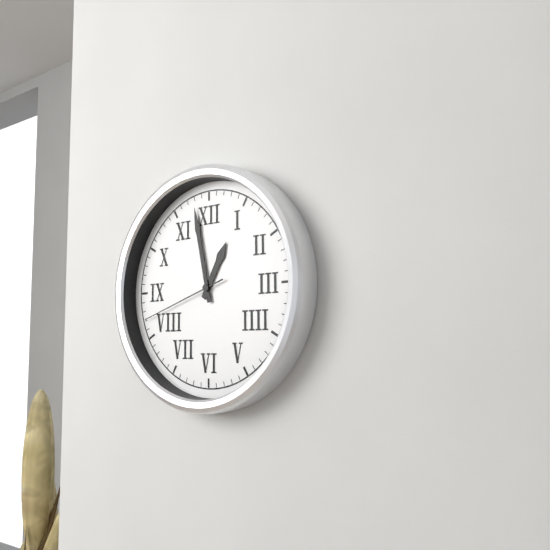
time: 12:58:42
